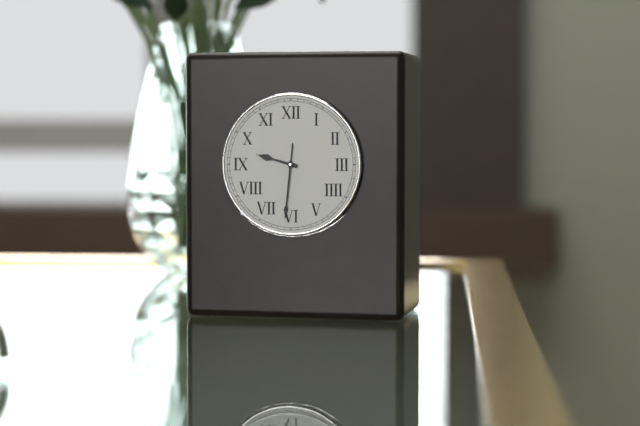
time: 9:31
